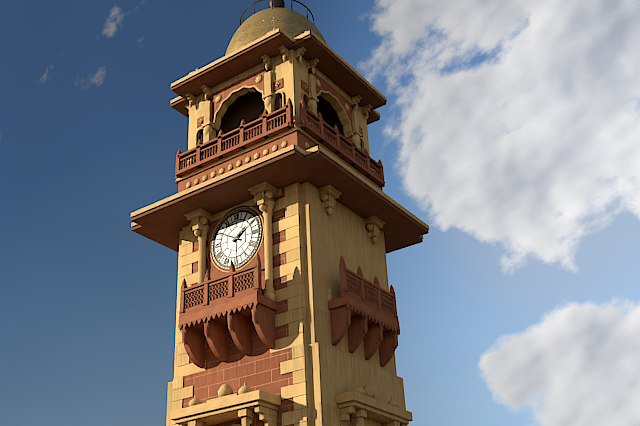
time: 1:50
